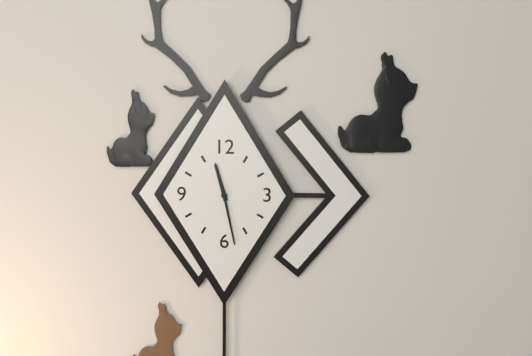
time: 11:28
